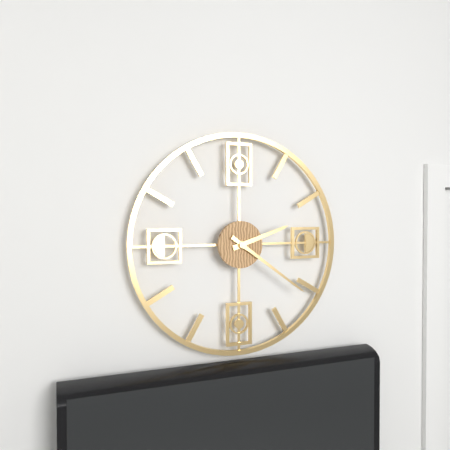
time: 2:21
